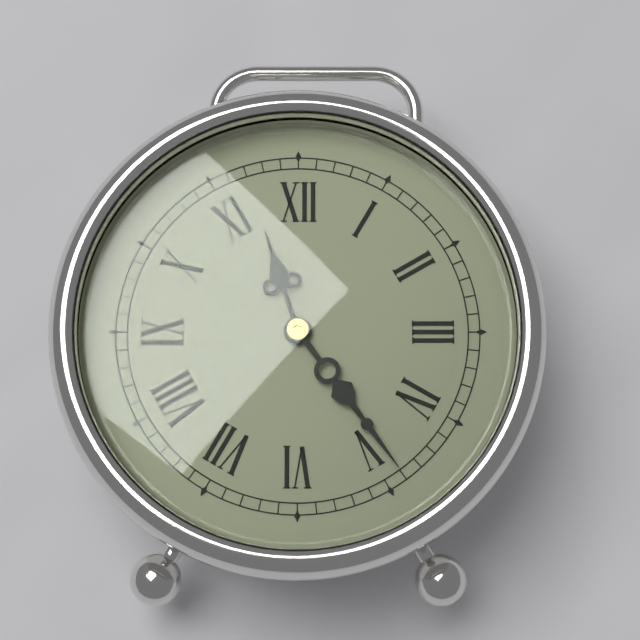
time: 11:24
